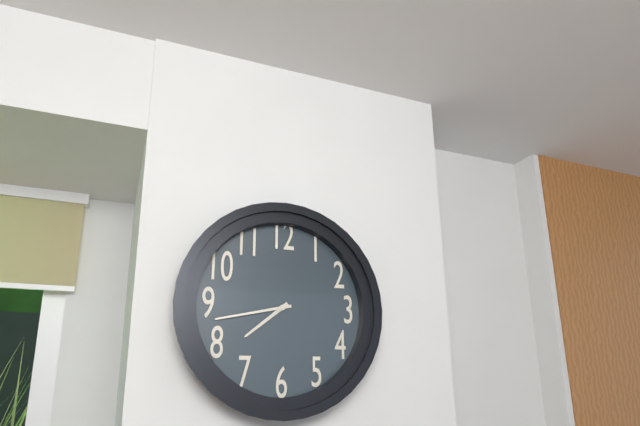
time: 7:43
